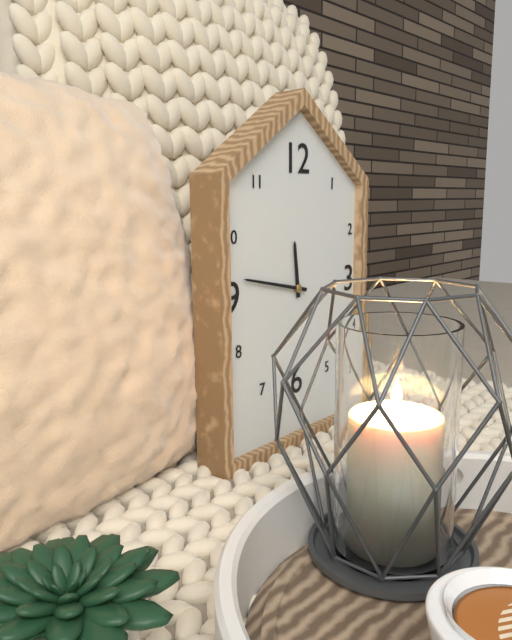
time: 11:47
